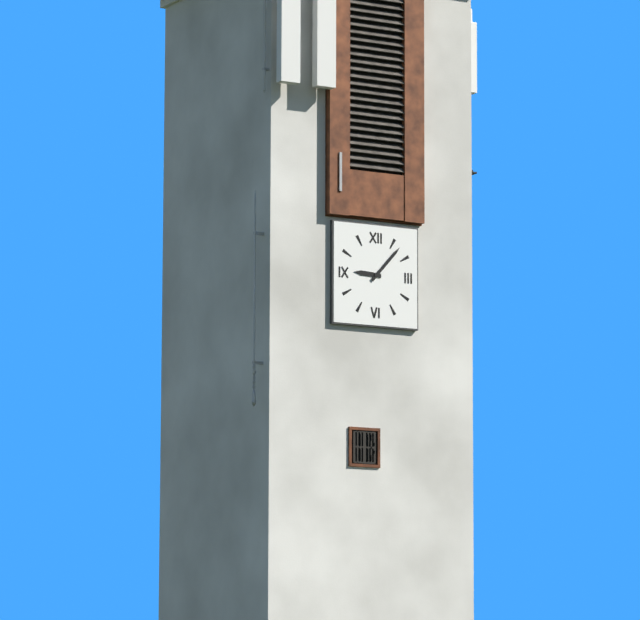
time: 9:07
